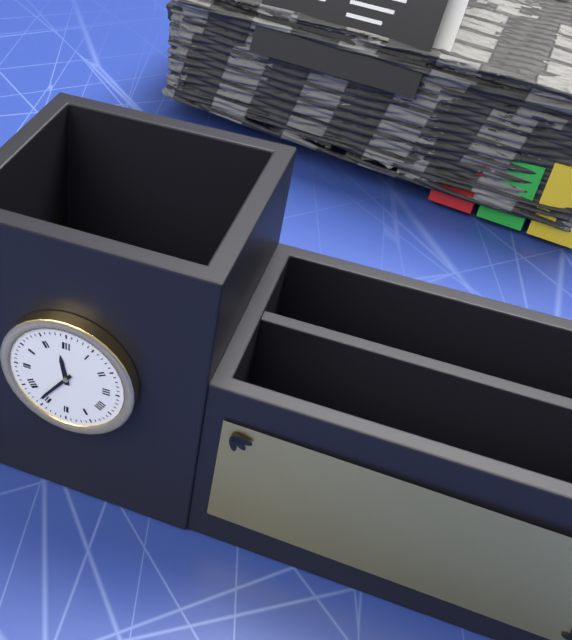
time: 11:36
